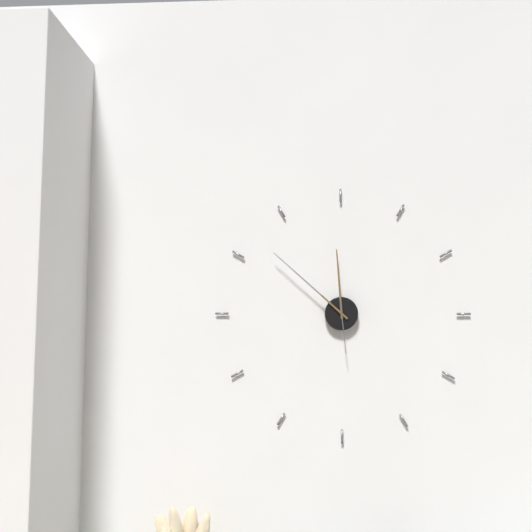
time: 11:52:29
